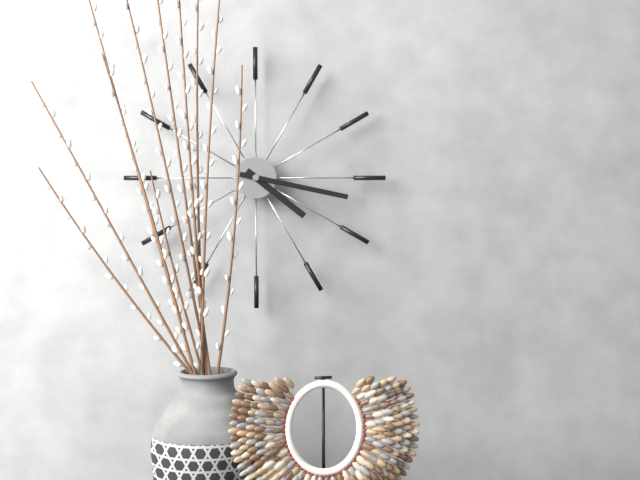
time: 4:17
